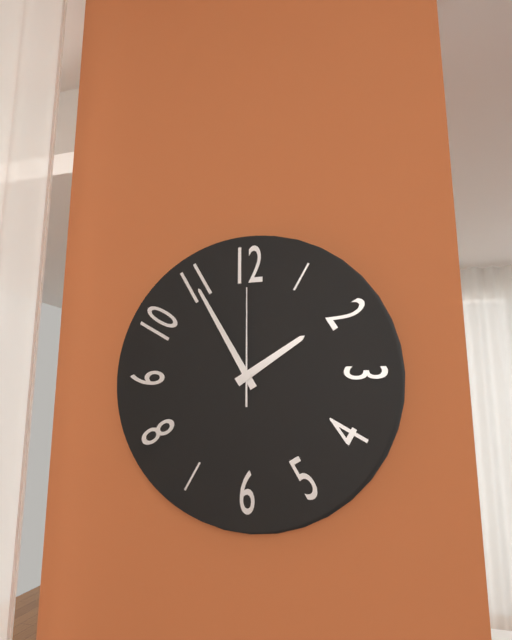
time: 1:55:00
